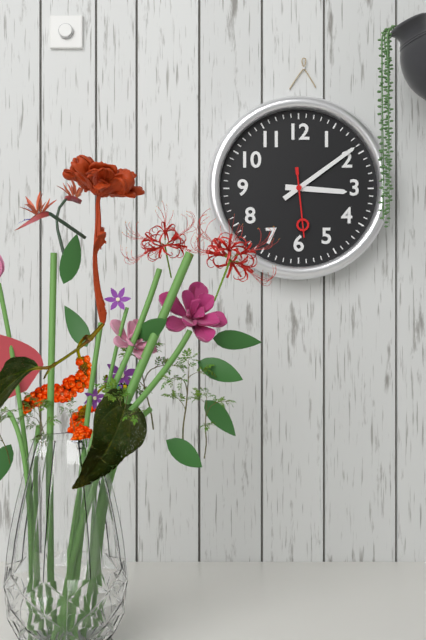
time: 3:09:29
